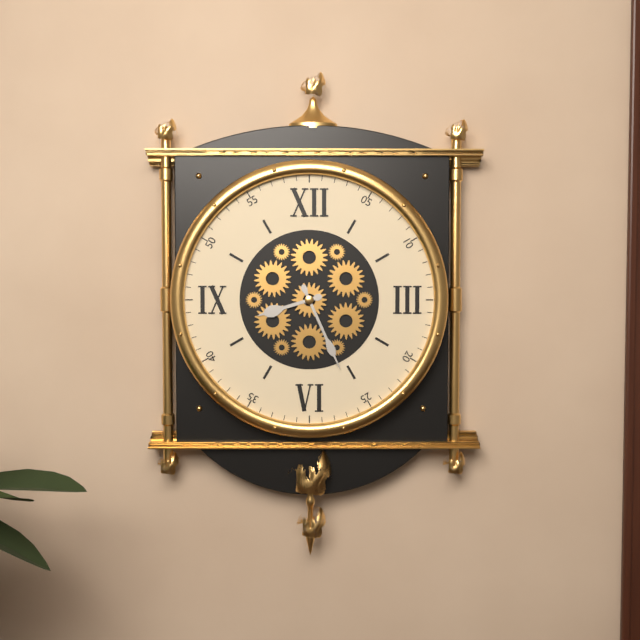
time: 8:26
